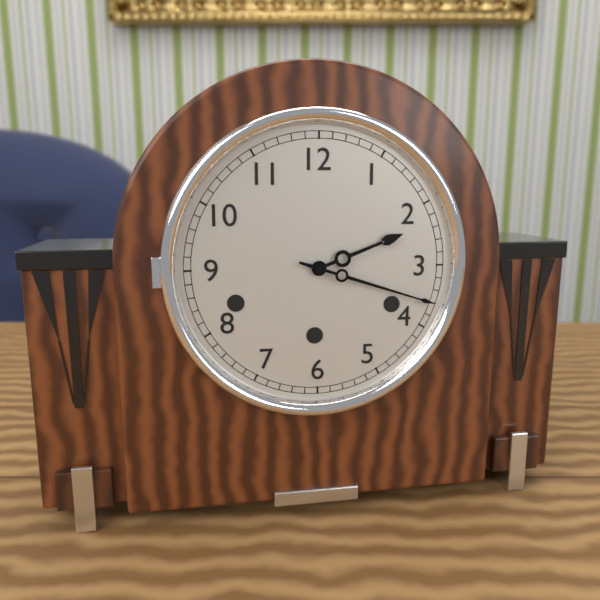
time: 2:18
